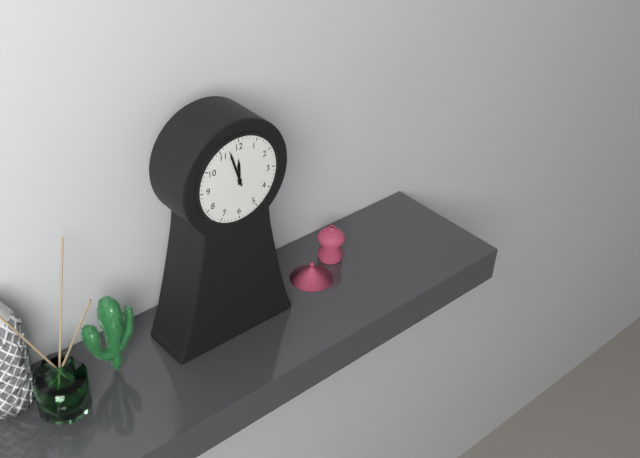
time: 11:57
